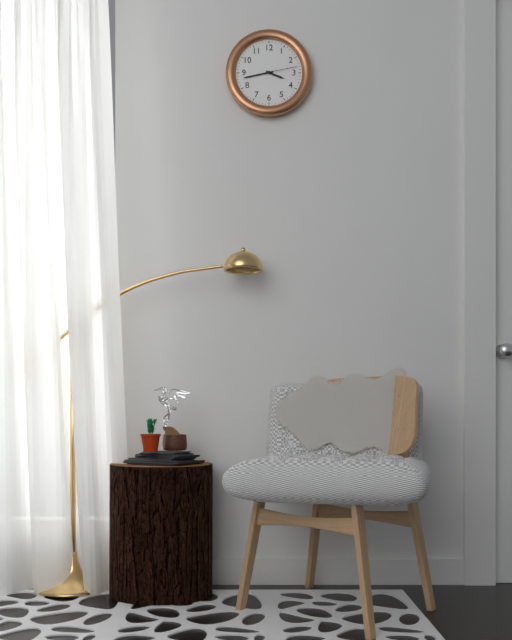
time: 3:43
